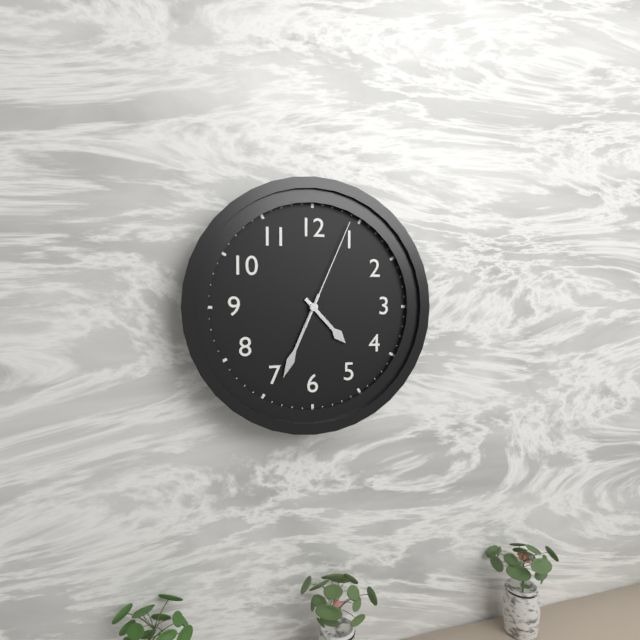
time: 4:34:04
